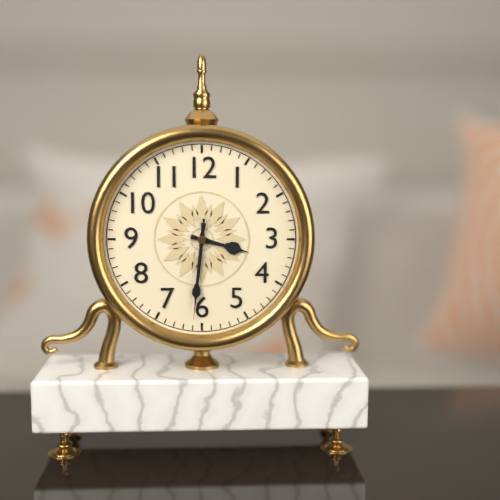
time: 3:31:31
